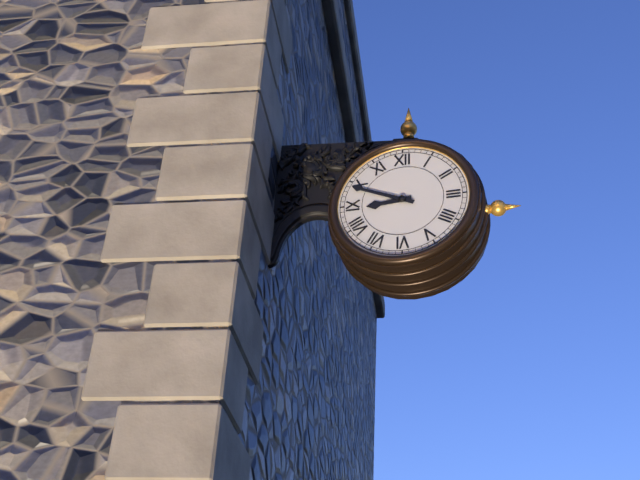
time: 8:49
